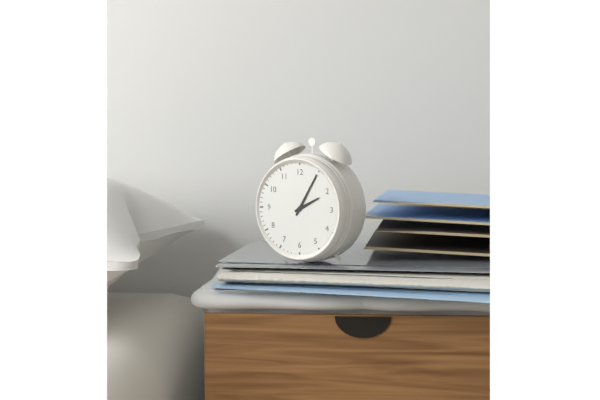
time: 2:05
